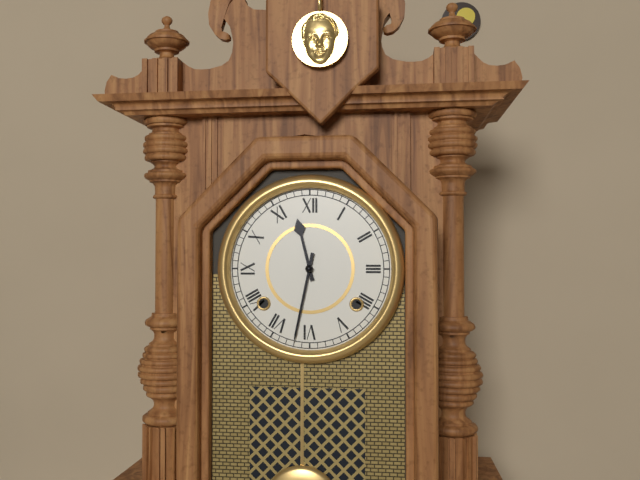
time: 11:32
